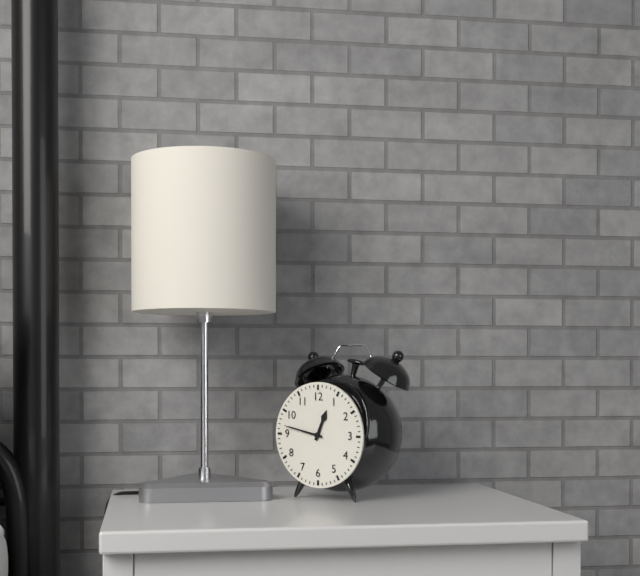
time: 12:47
